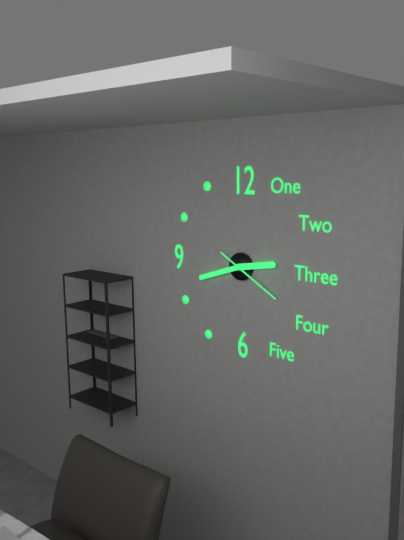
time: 2:42:20
